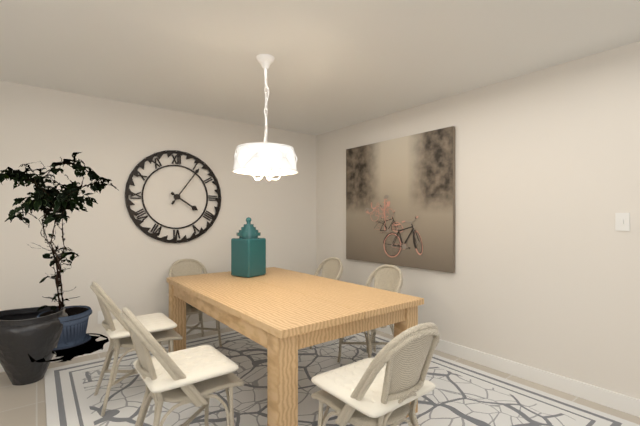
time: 4:06
